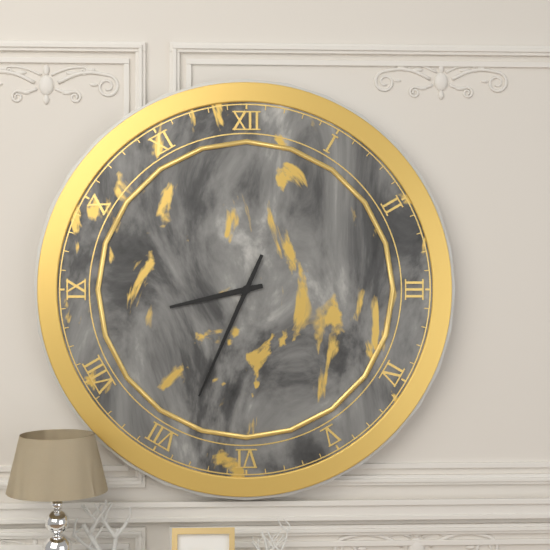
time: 8:34
